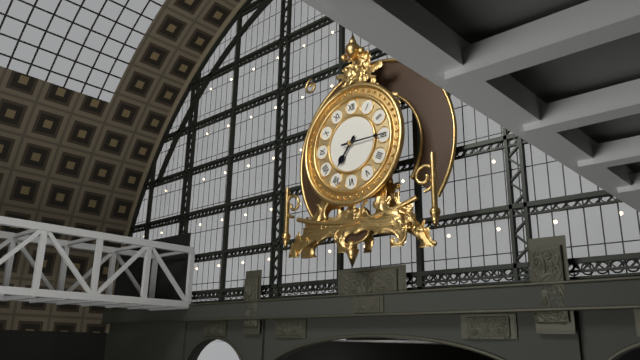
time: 7:15
